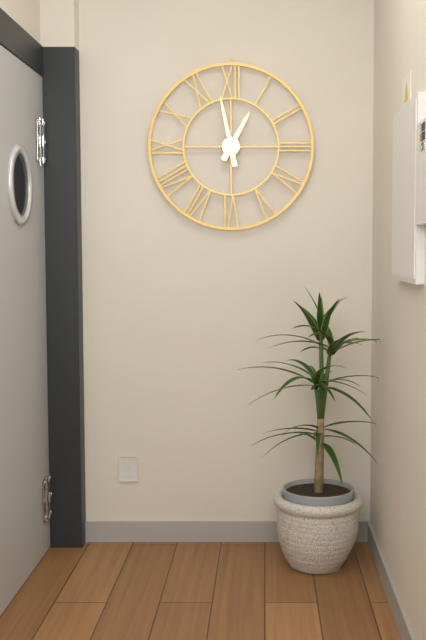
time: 12:58
